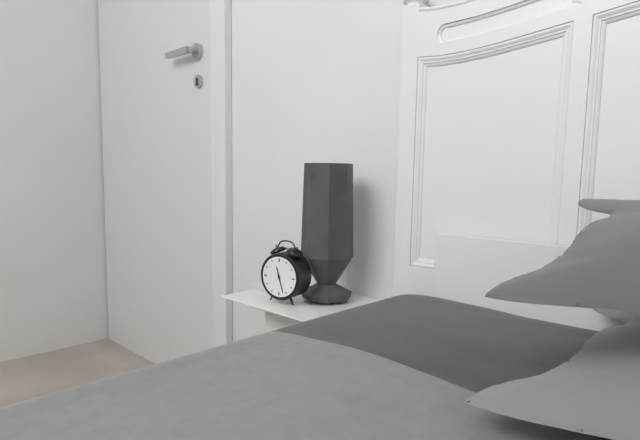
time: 11:27
